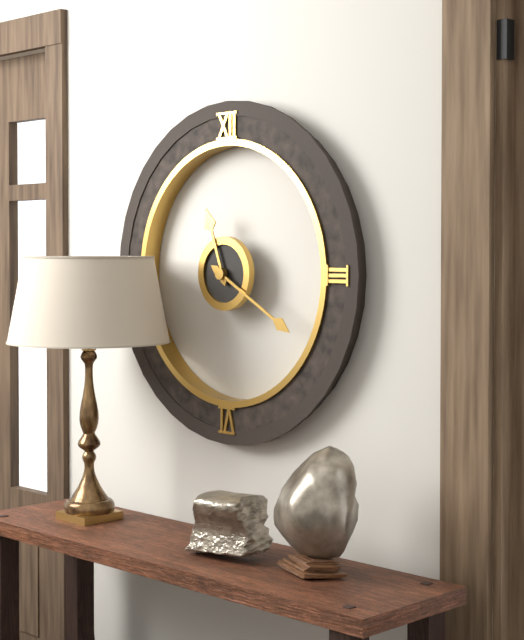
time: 11:20
